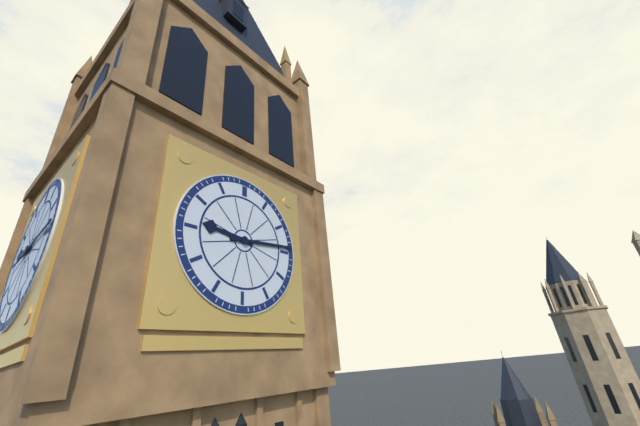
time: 9:14
